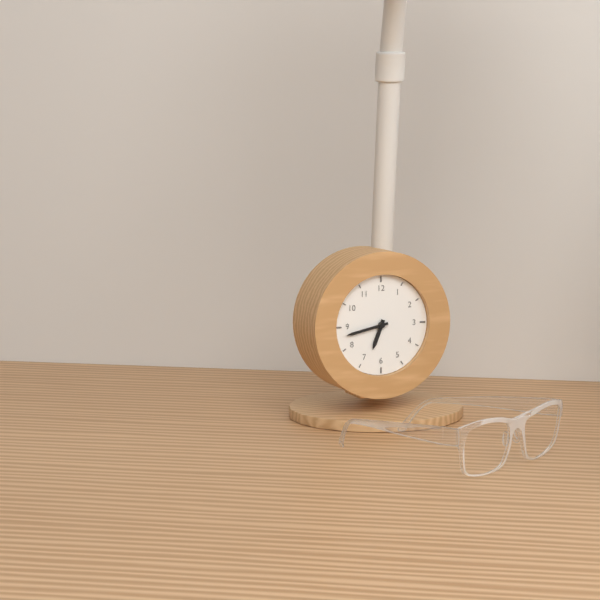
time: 6:43
